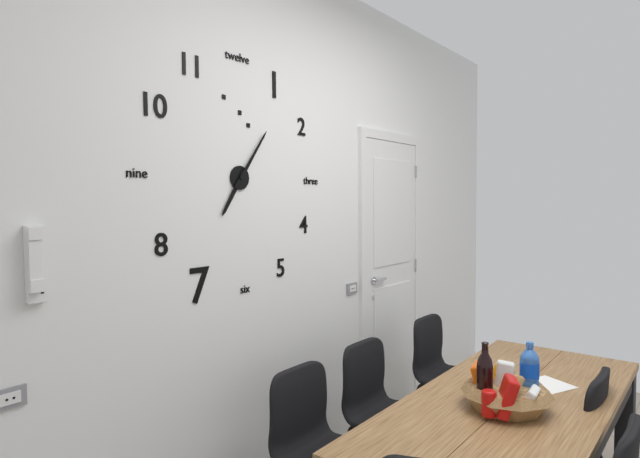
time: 7:06
